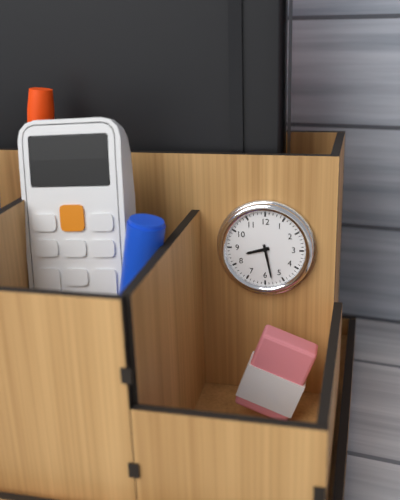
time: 8:28
